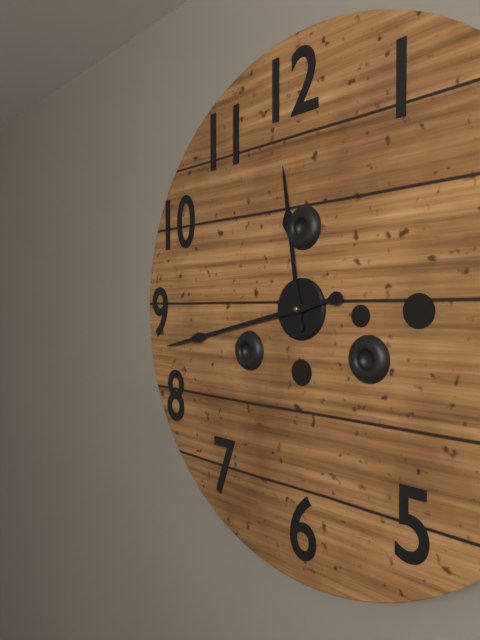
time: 11:43
